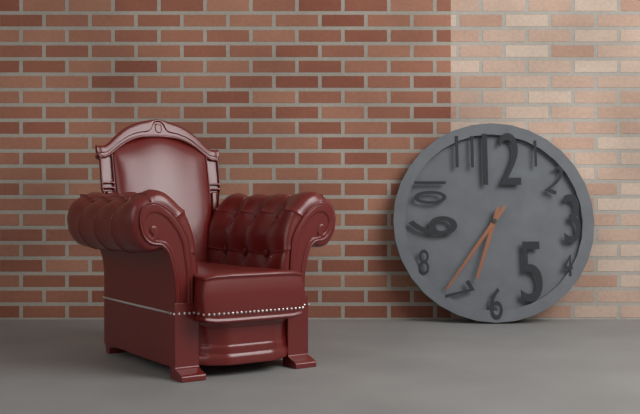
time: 6:36
